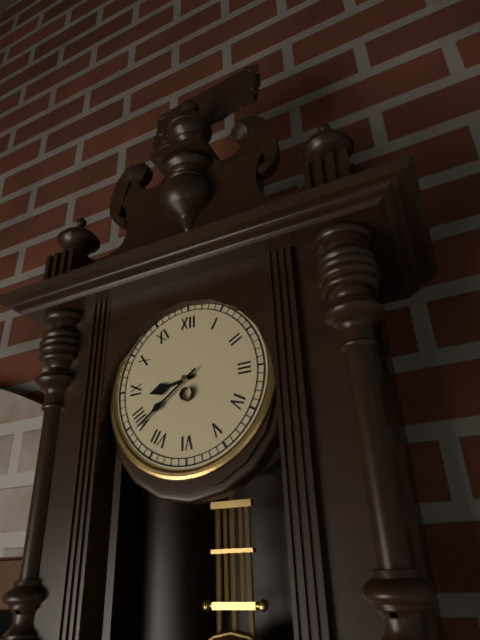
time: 8:39
